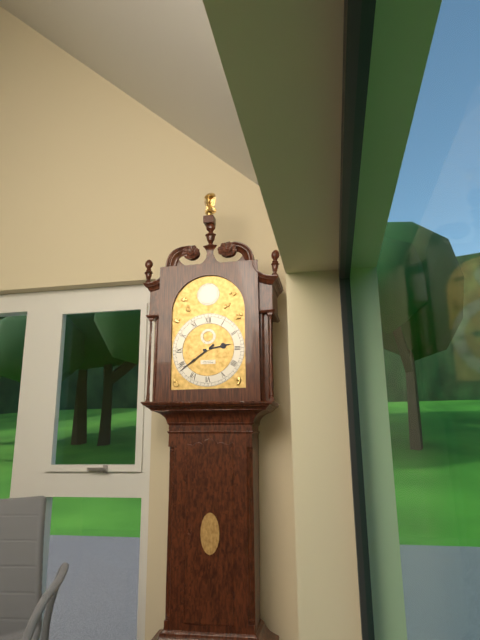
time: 2:39
